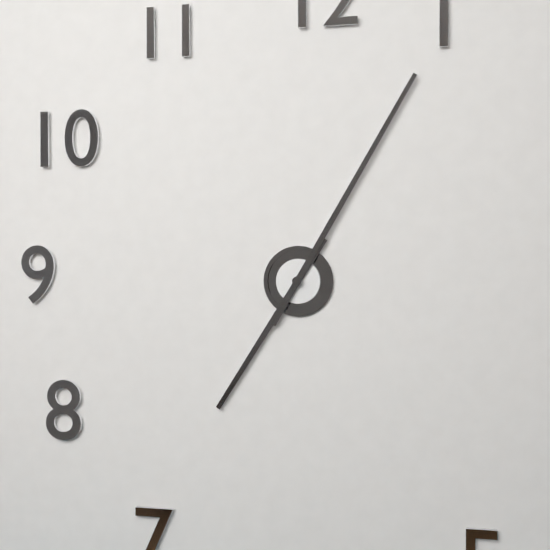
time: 7:05
